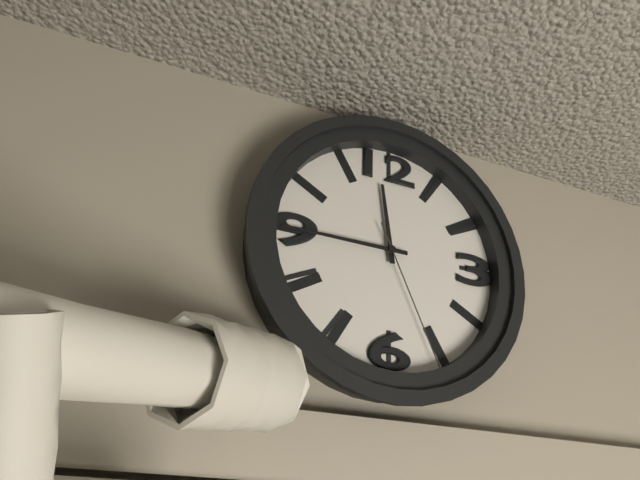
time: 11:45:26
